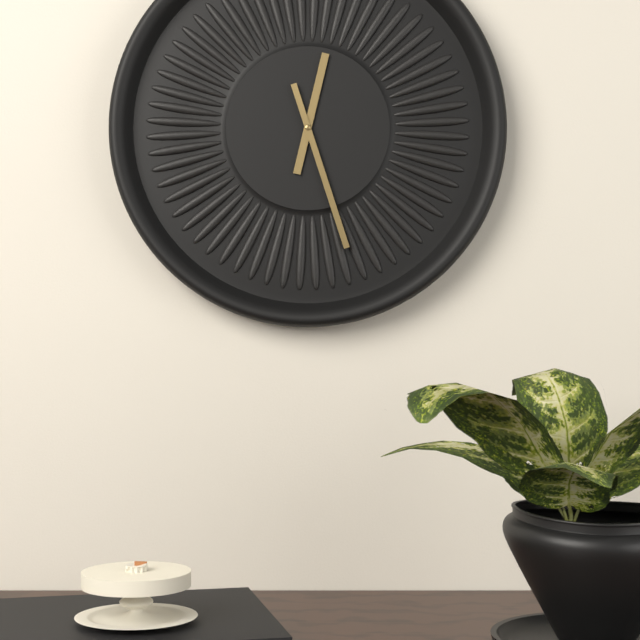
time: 12:27
